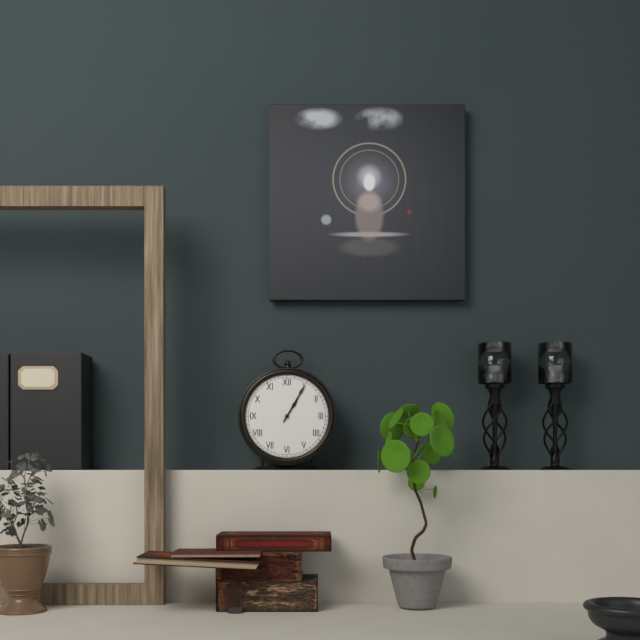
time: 1:05
